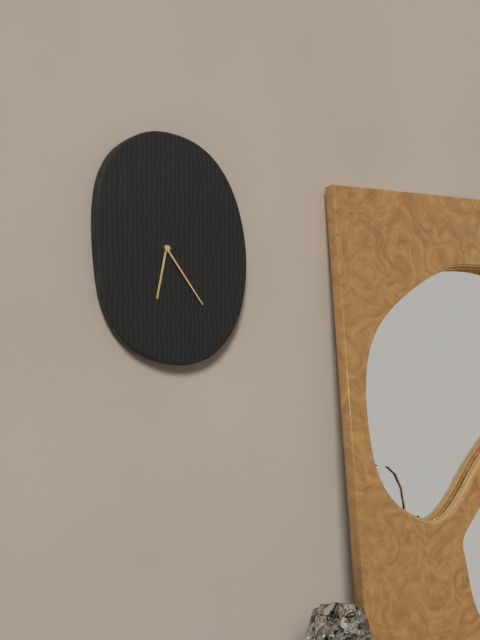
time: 6:24
